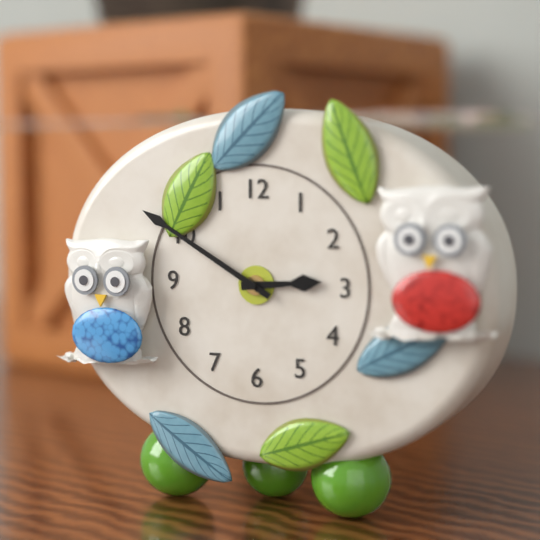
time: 2:50
